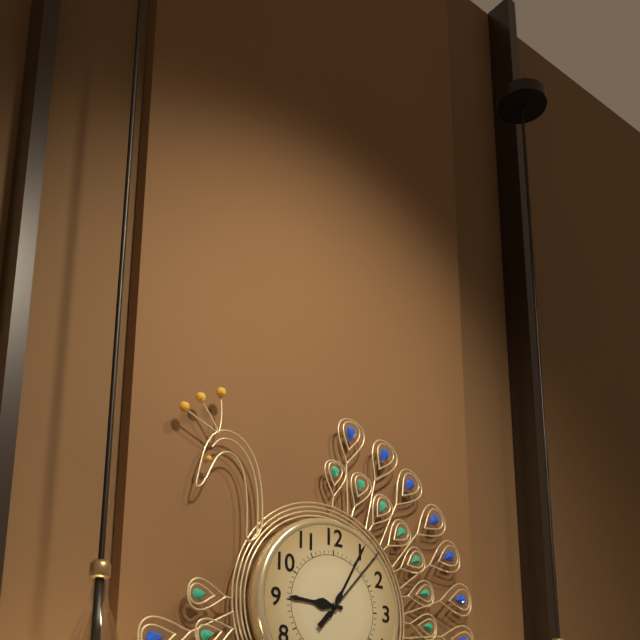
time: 9:05:07
